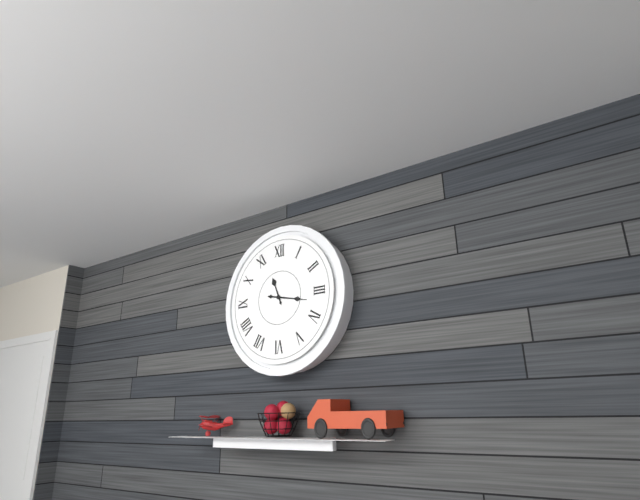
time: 11:17
